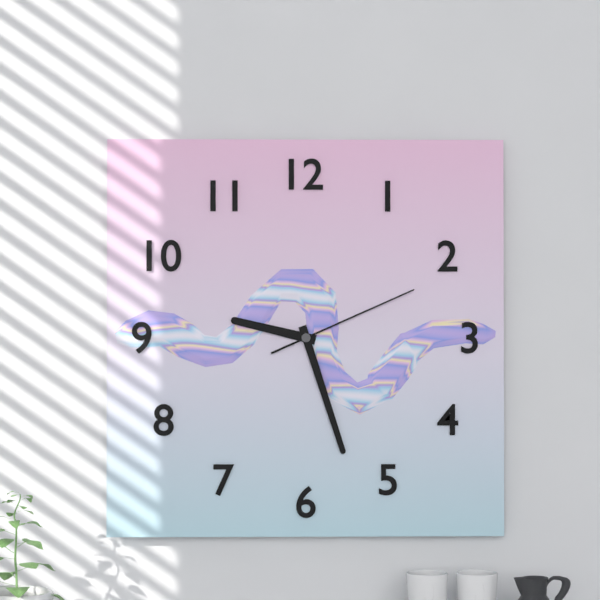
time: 9:27:11
